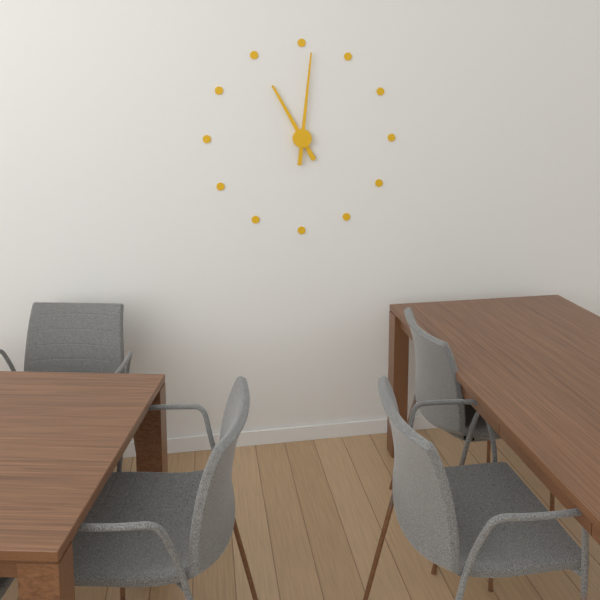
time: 11:01
